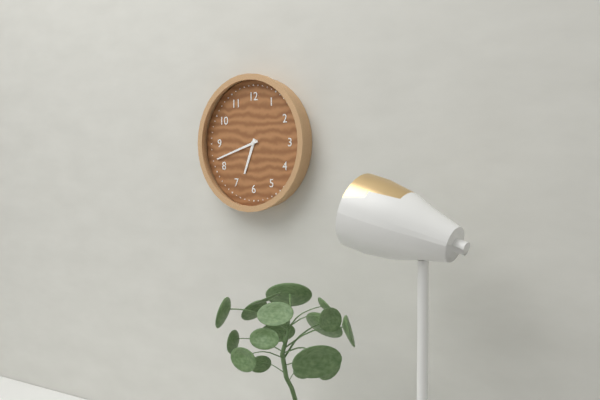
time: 6:42
